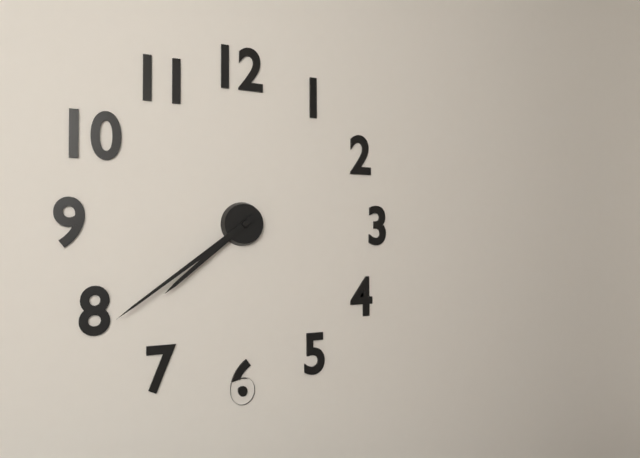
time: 7:39
